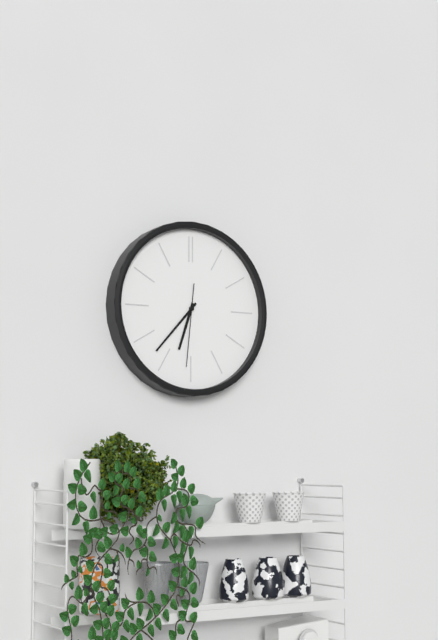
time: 6:37:31
